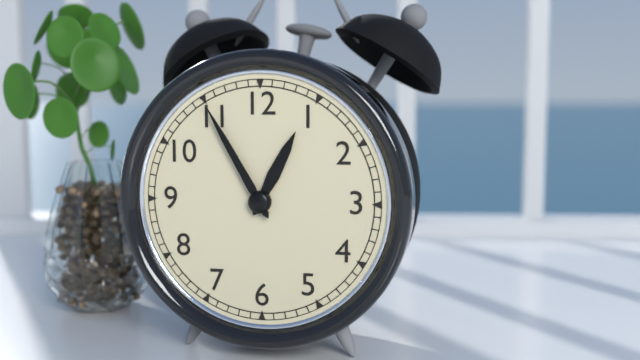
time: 12:55
